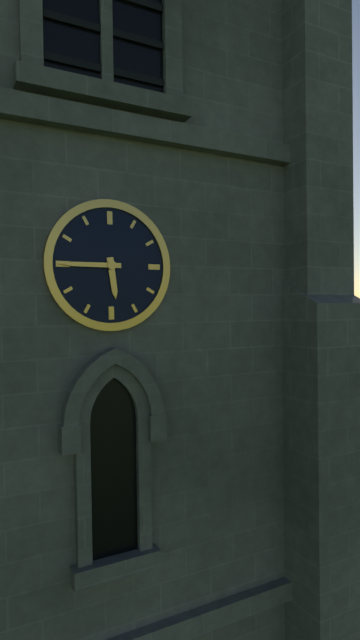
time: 5:45
